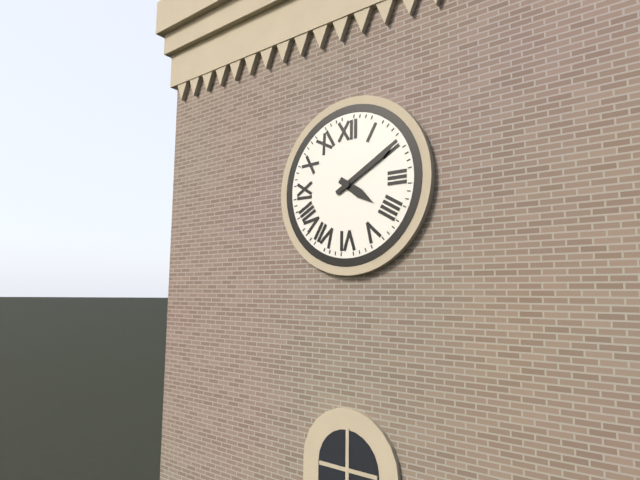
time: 4:10
